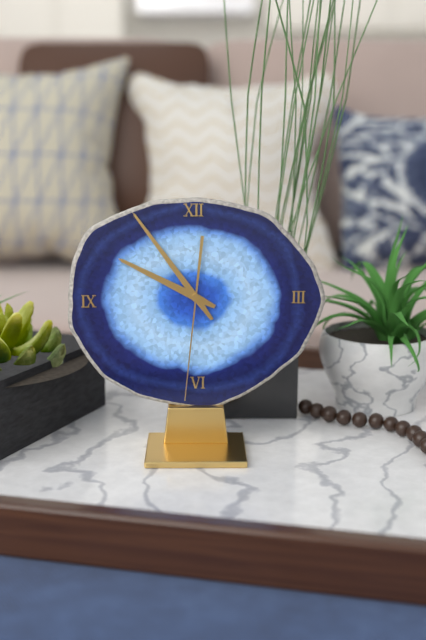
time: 9:54:31
